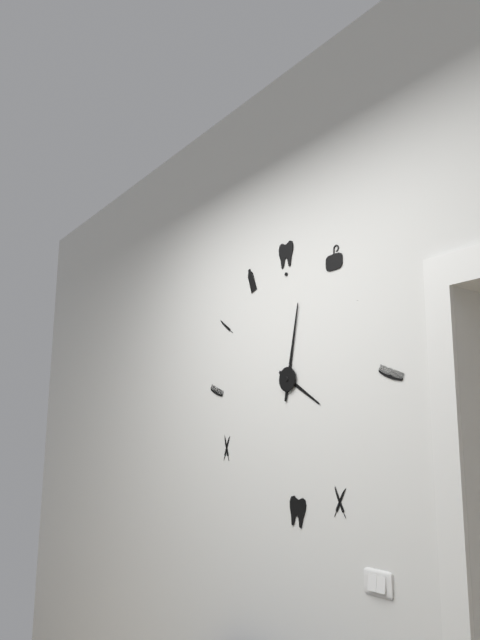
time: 4:02
